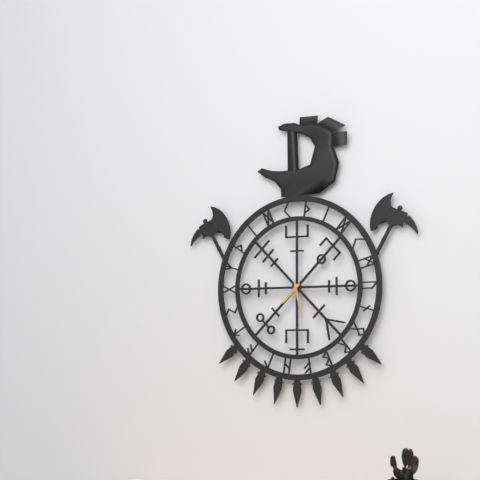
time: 7:28
